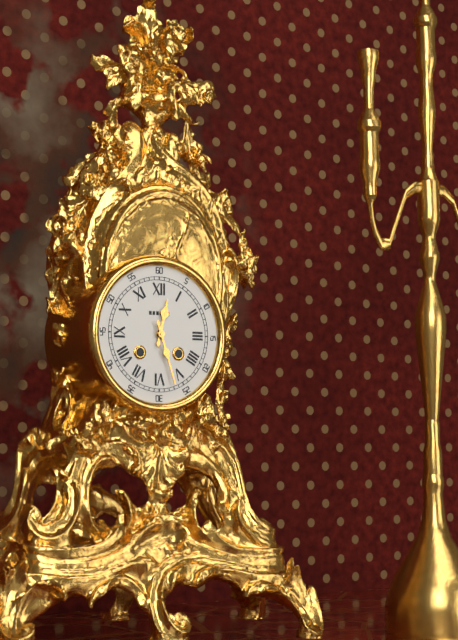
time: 12:27
